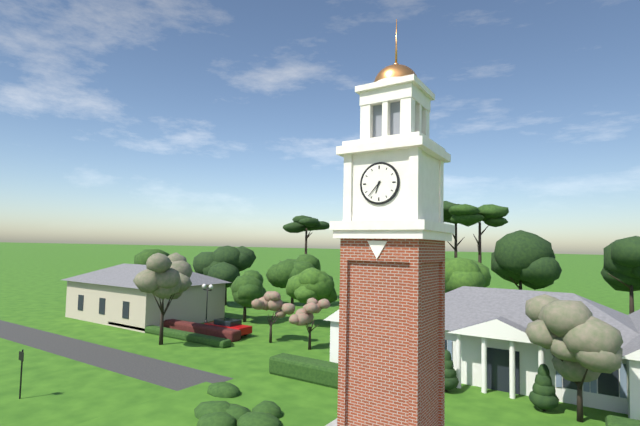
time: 6:37
